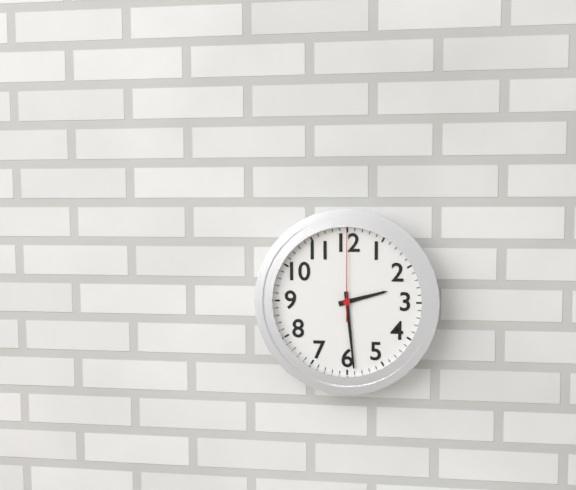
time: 2:29:00
